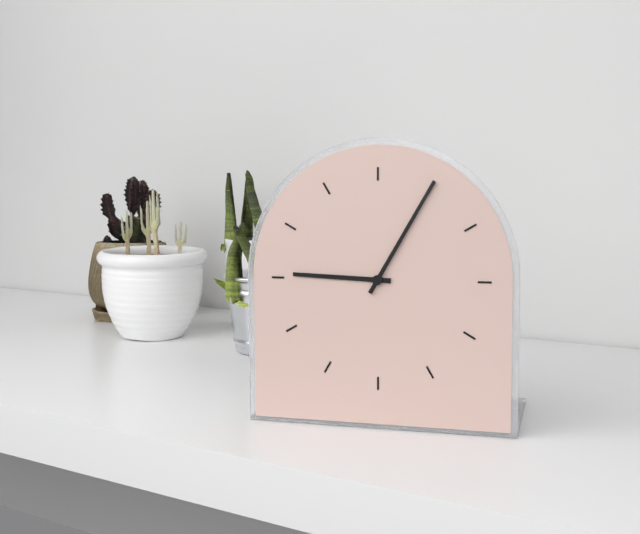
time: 9:05
